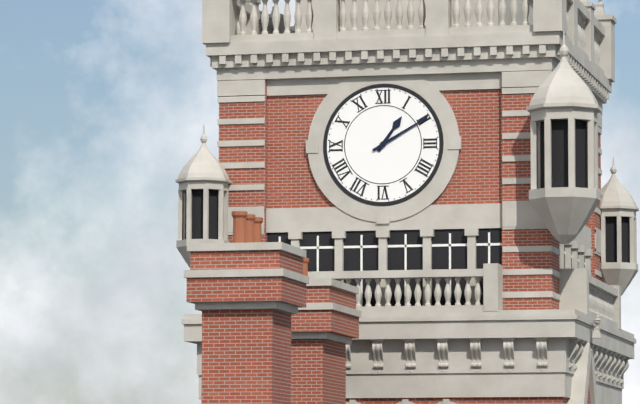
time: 1:10
